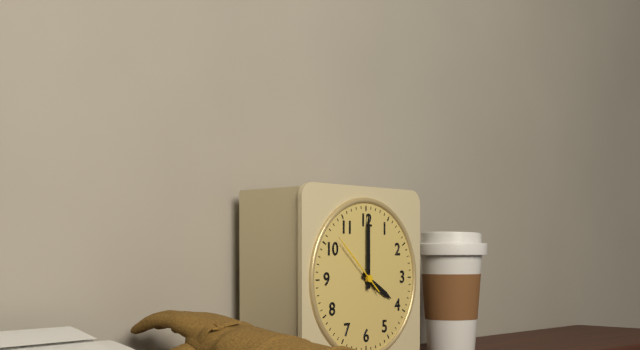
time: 4:00:52
